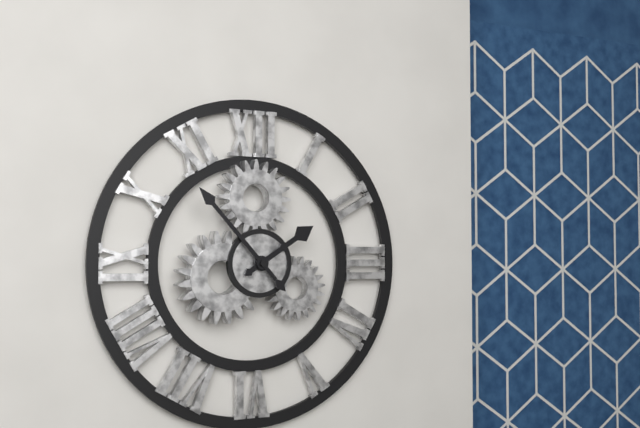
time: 1:53
